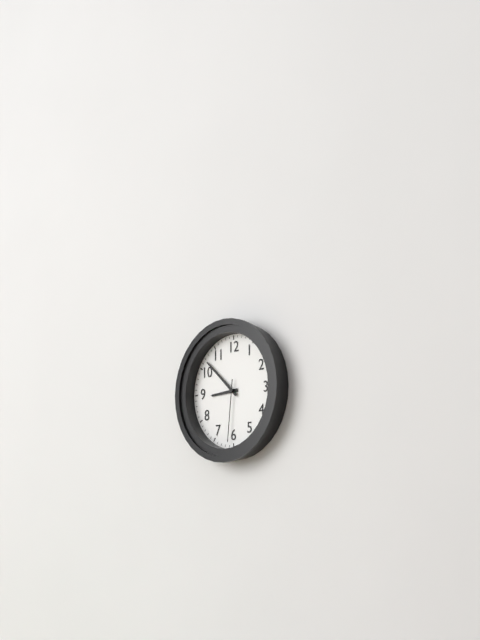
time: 8:52:31
